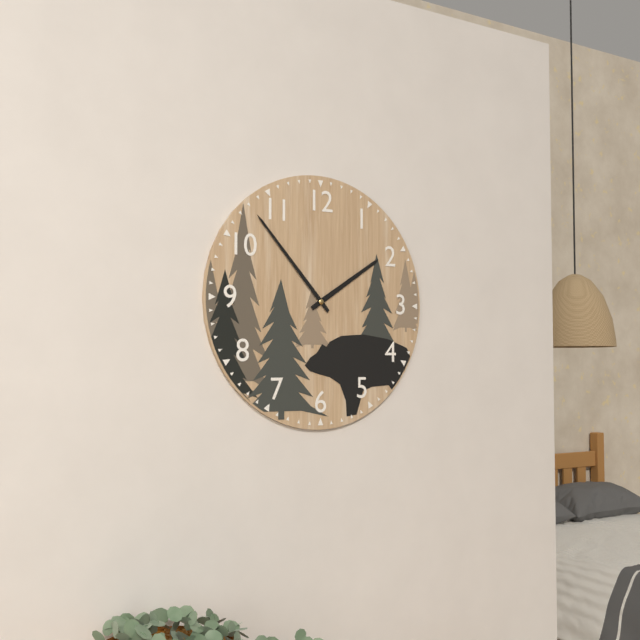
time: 1:53
